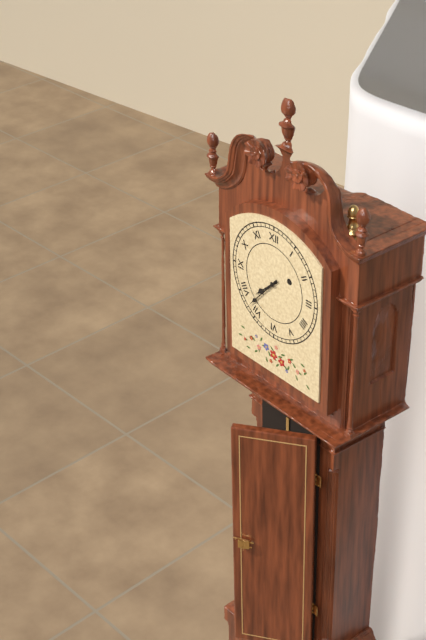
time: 7:37
